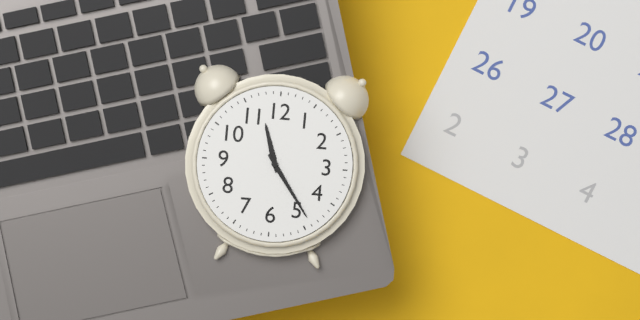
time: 11:24
